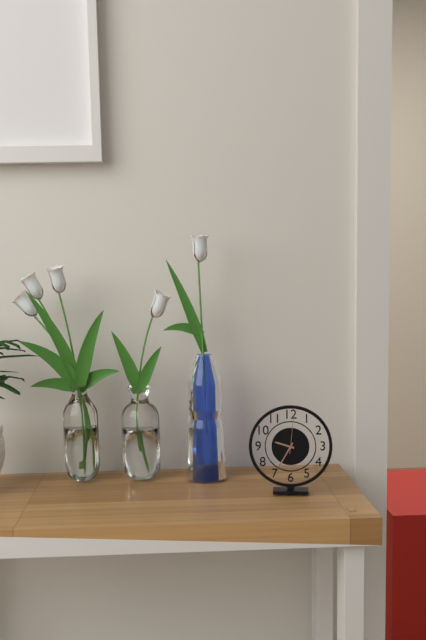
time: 9:35
